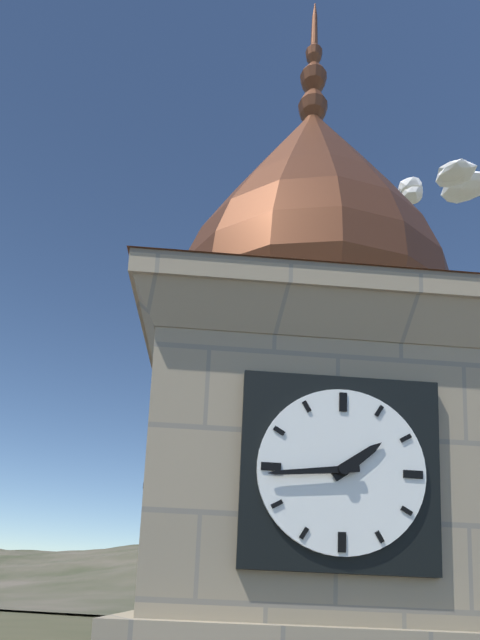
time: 1:44
